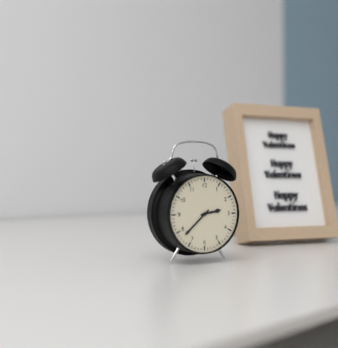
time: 2:38
